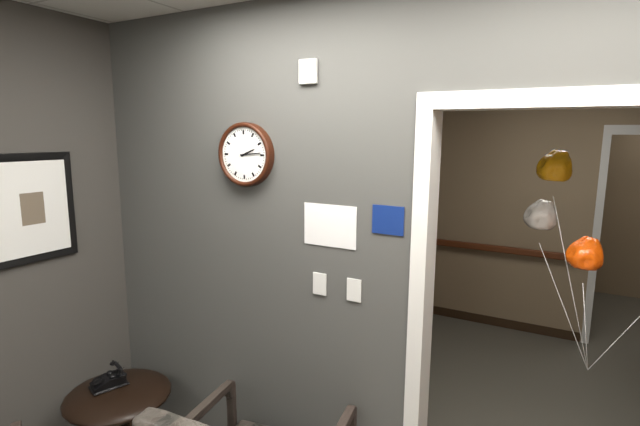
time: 2:14
